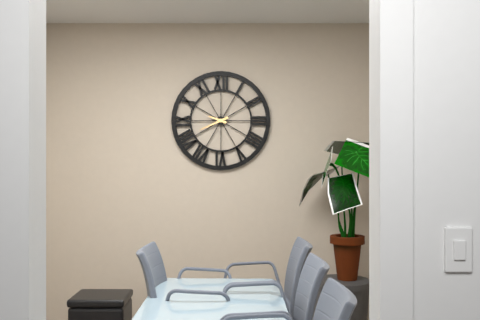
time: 9:41
